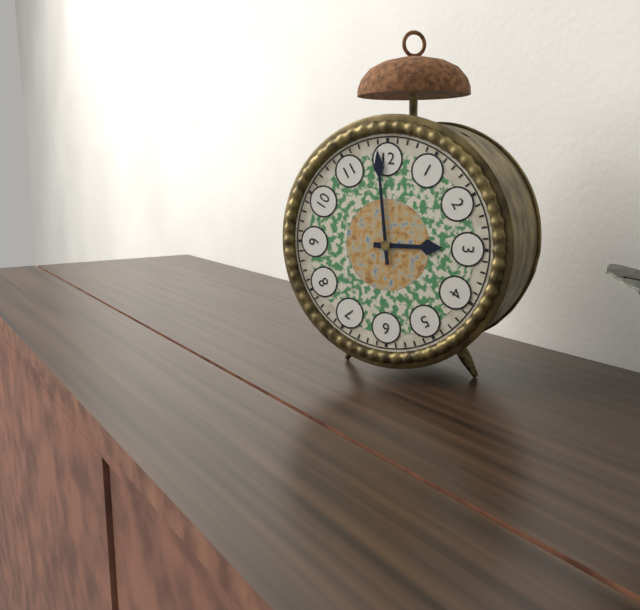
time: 2:59
